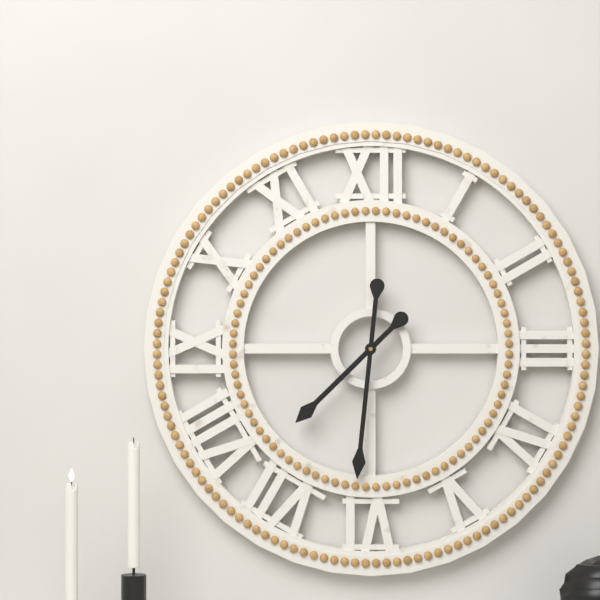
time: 7:31
